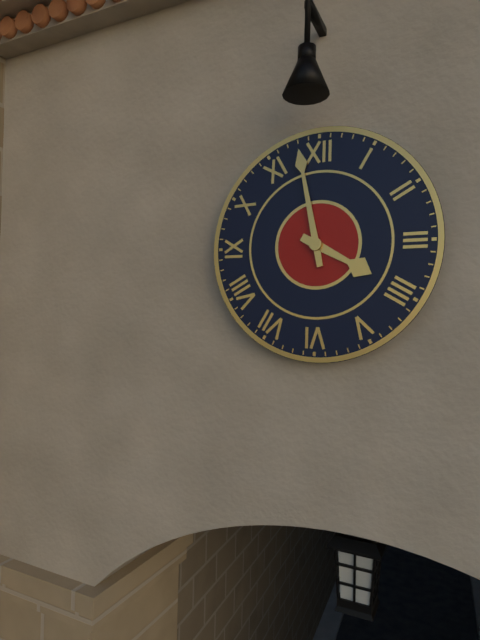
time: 3:58
